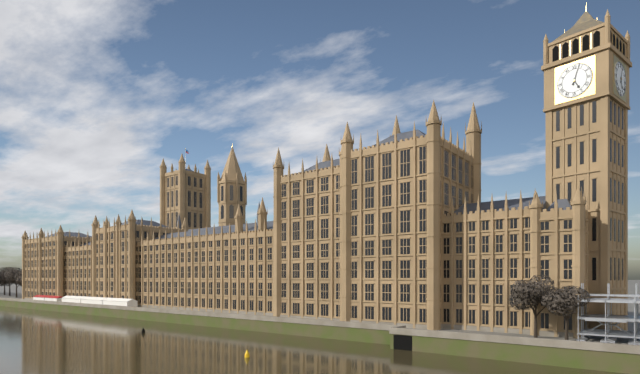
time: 5:03
